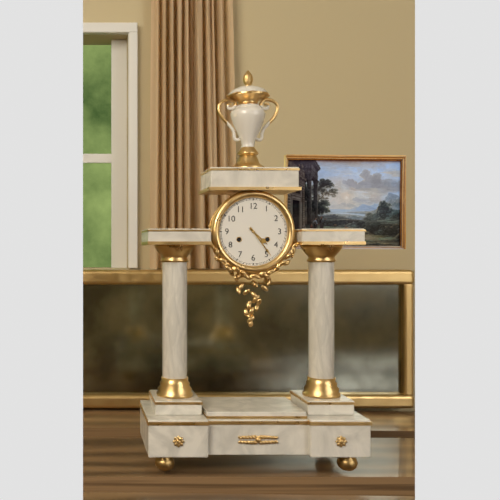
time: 4:24
